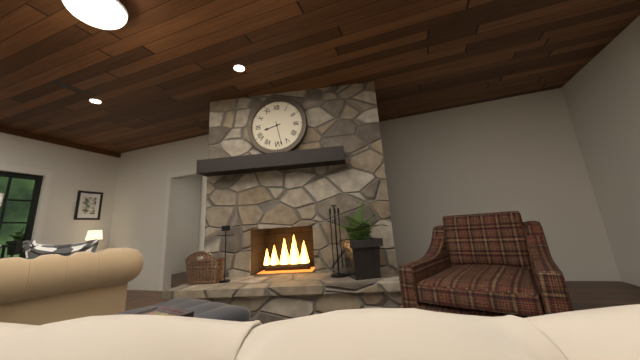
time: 8:28
